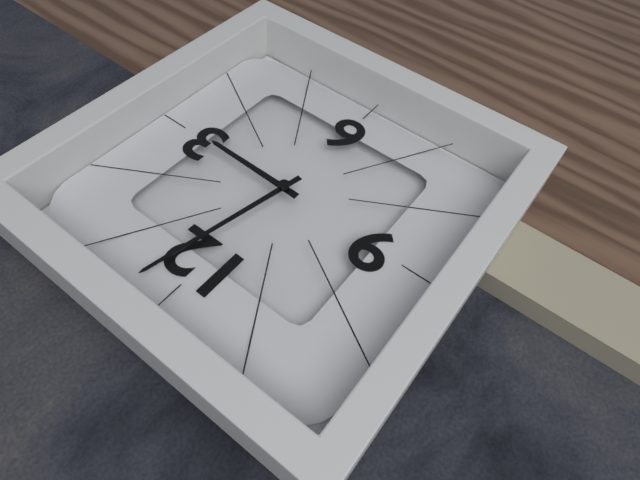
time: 3:02
